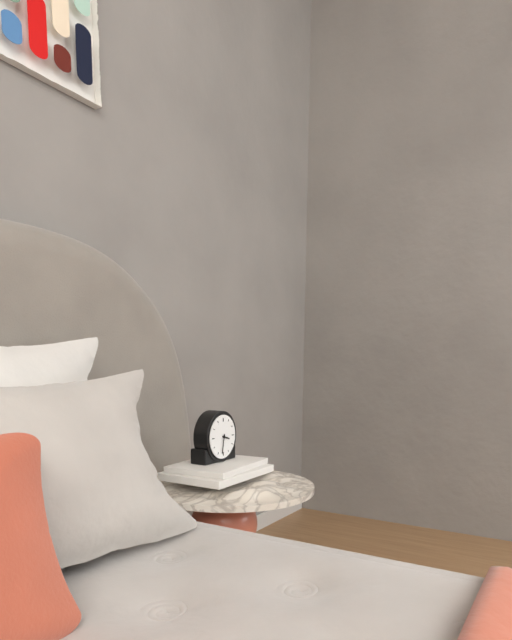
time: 3:32
